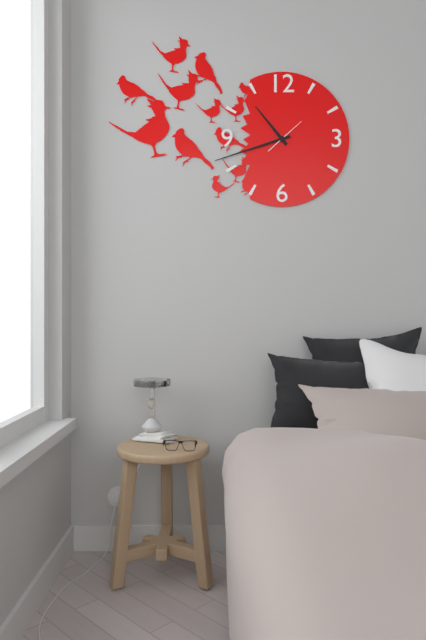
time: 10:42
